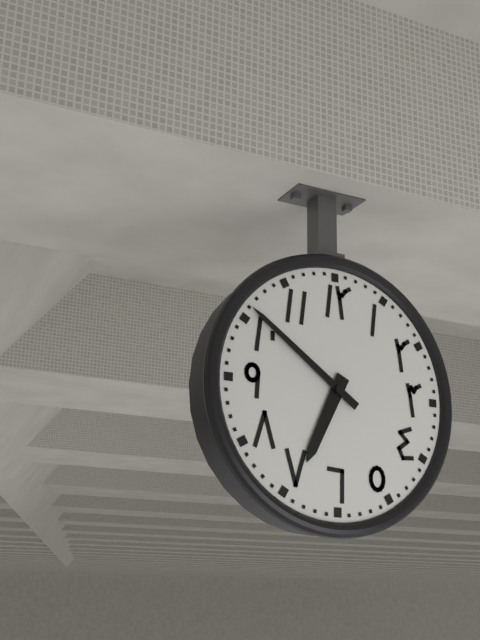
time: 6:51
